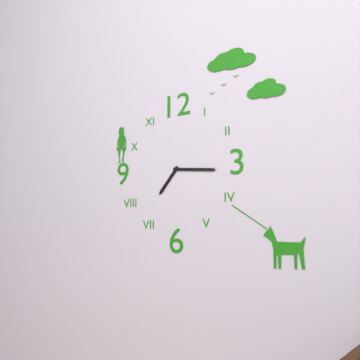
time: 7:16
